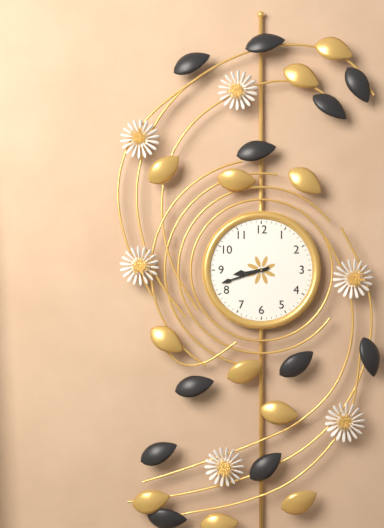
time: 8:42
